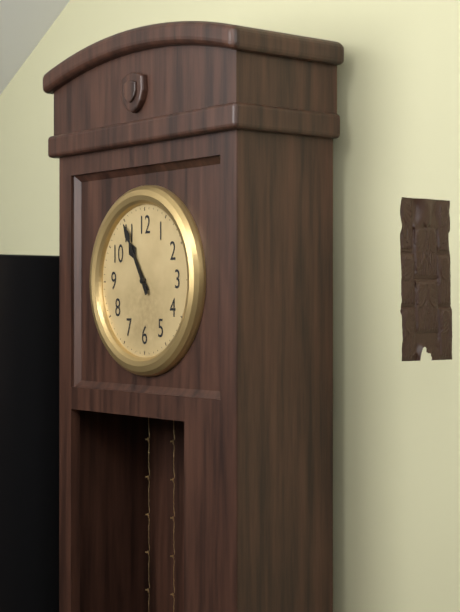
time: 10:55
